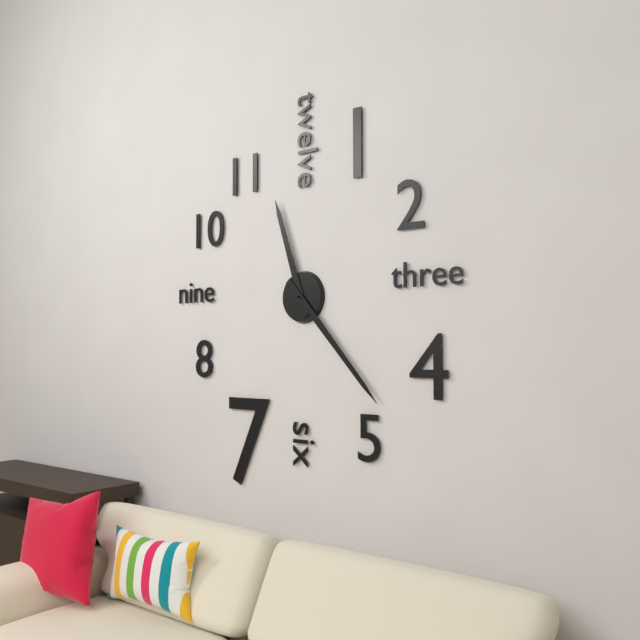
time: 11:23
